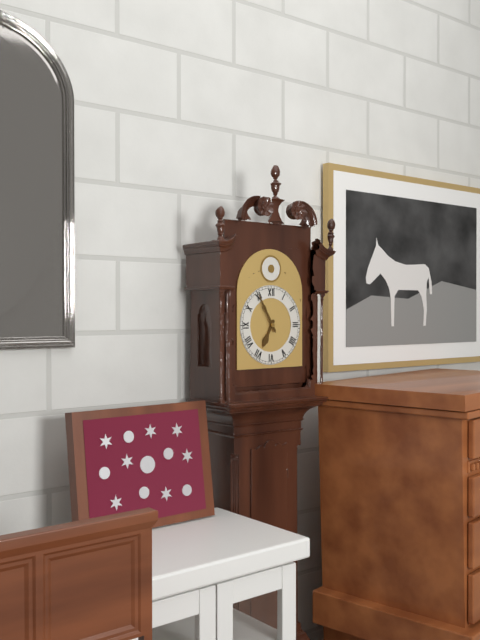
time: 6:55
